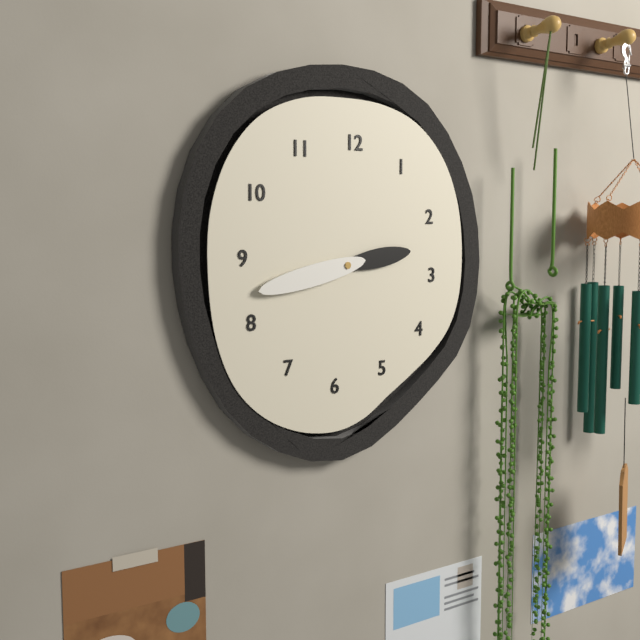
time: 2:43
